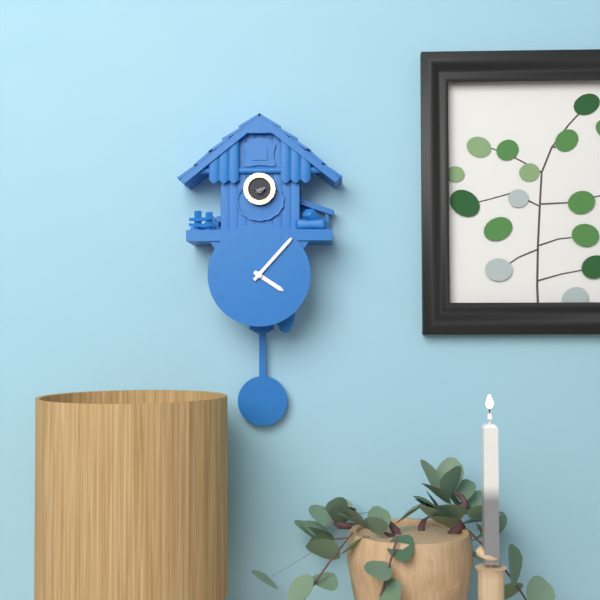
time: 4:07
